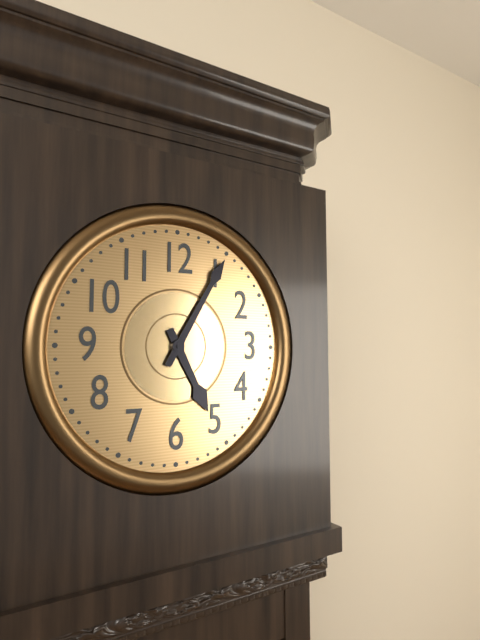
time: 5:05
